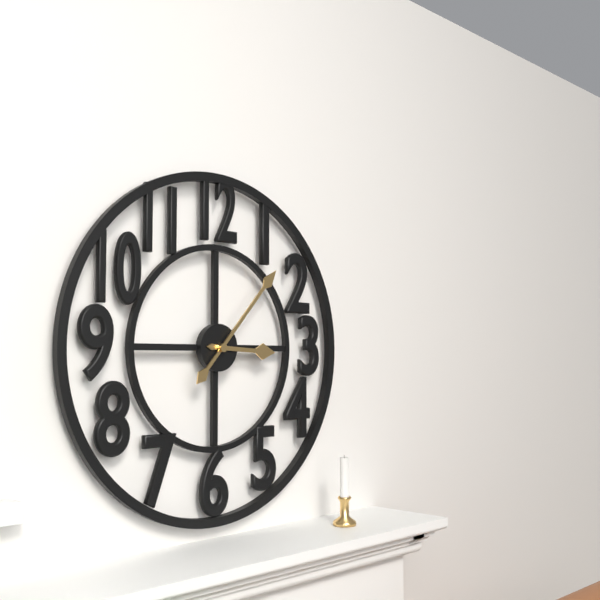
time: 3:07
